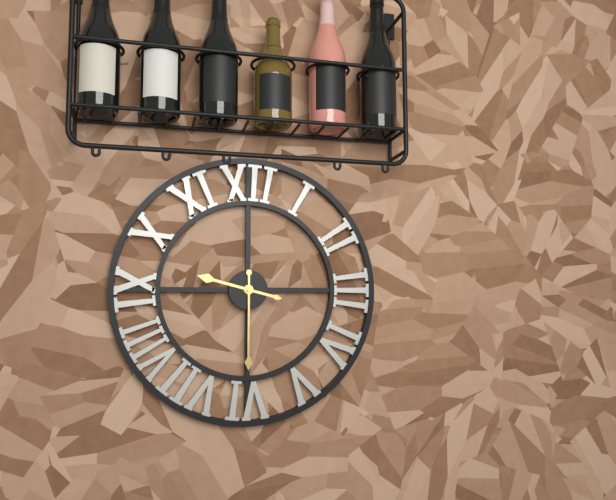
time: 9:30
